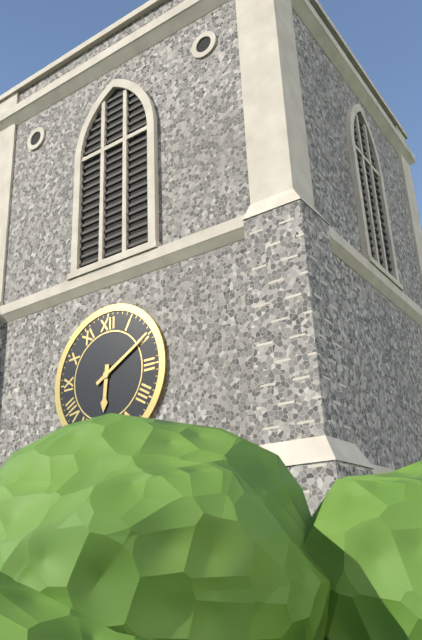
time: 6:10
